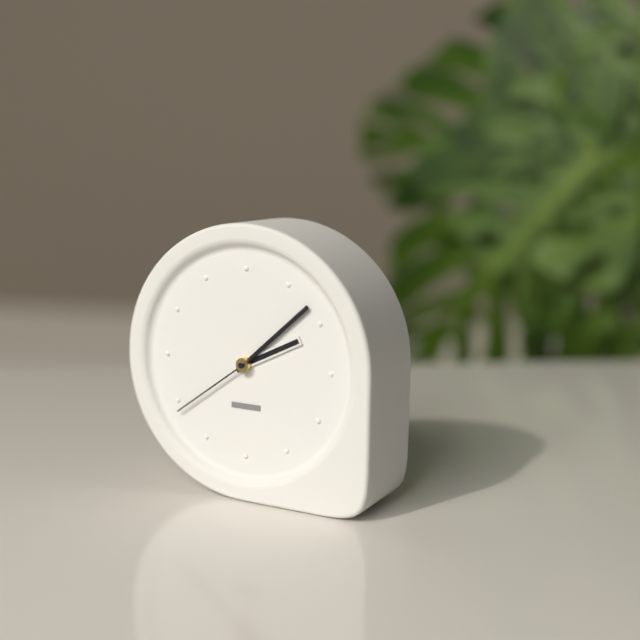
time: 2:08:39
